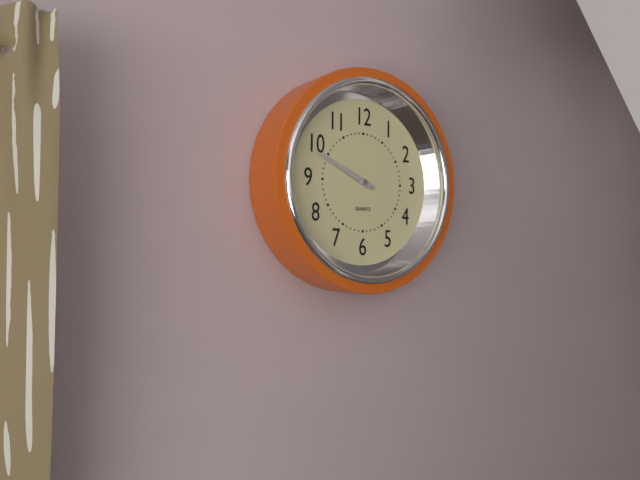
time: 9:49
